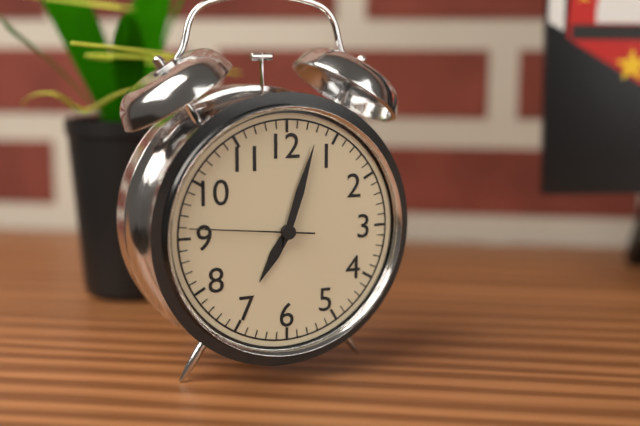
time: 7:03:46
